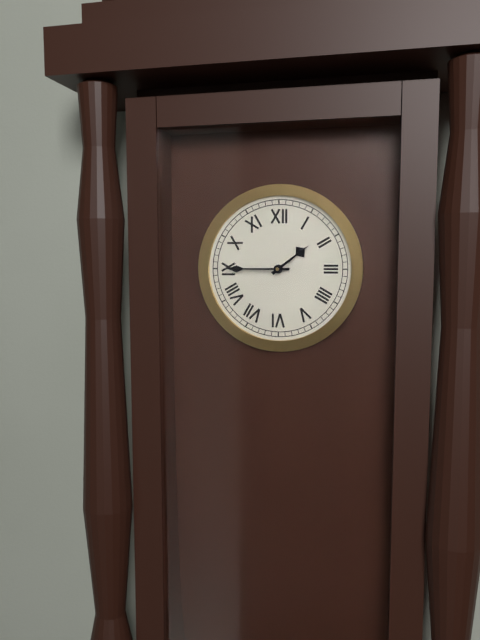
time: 1:45
